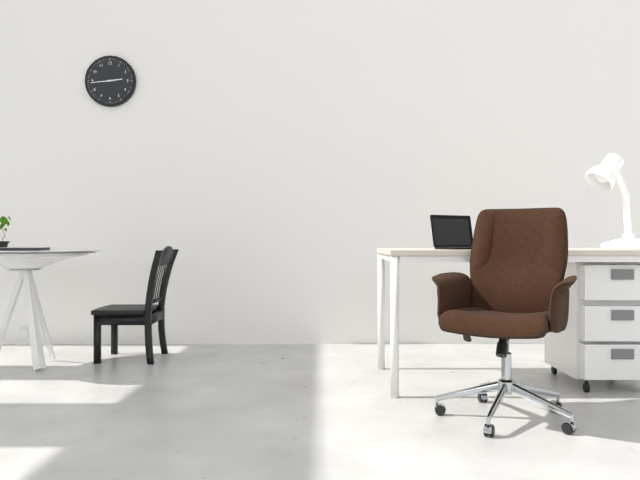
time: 2:44
